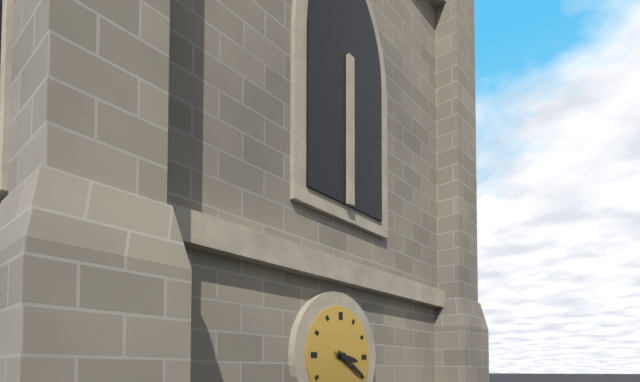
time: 3:20
